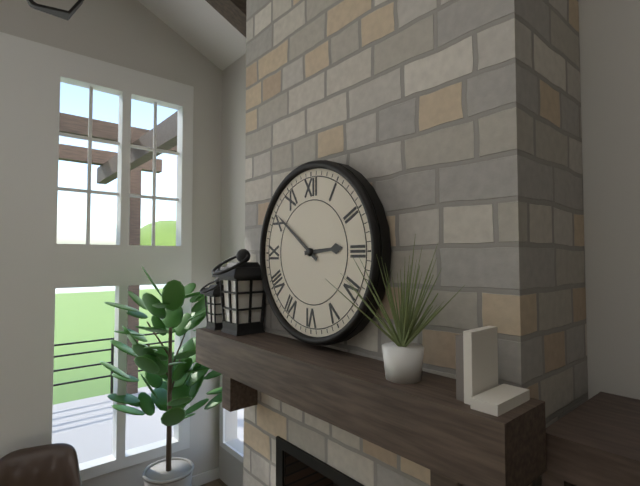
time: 2:51
